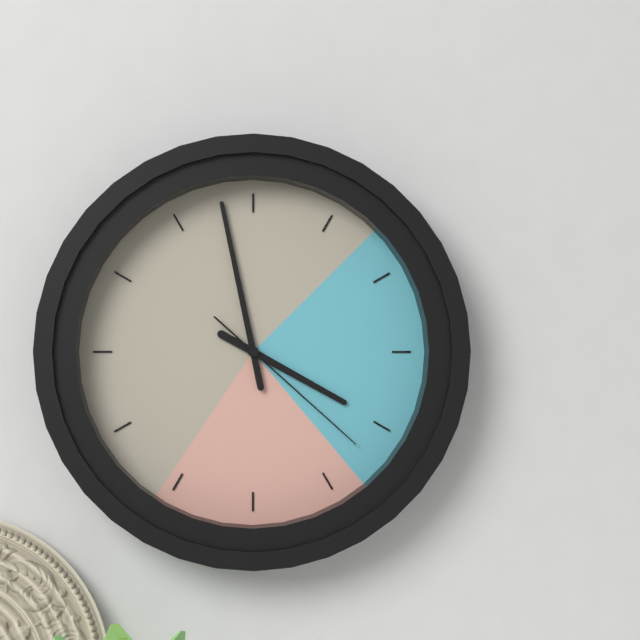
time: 3:58:22
